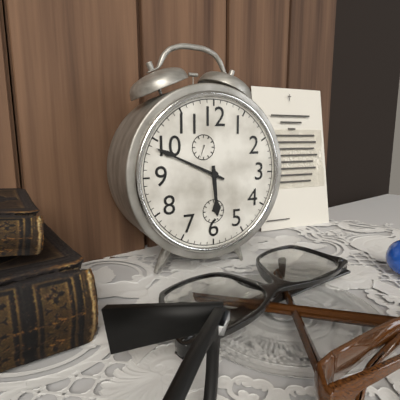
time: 5:49
